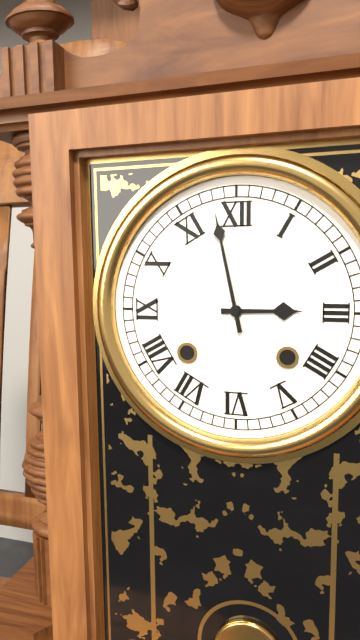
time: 2:58
